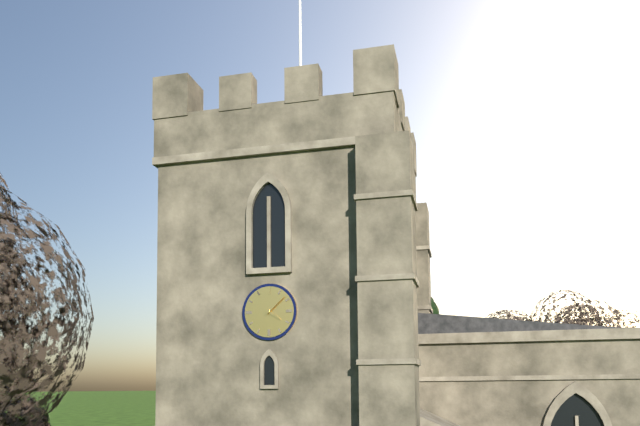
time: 4:08
